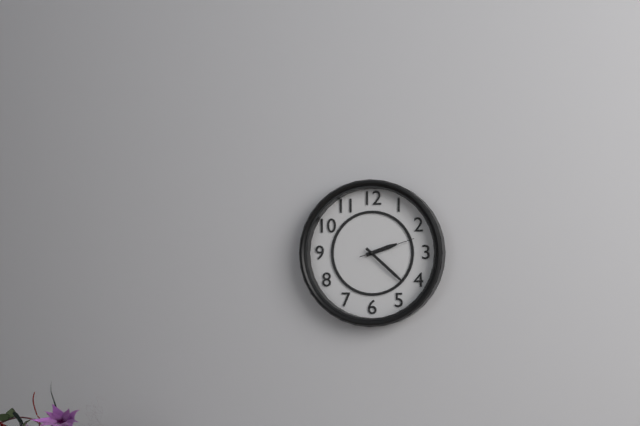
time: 2:22:12
